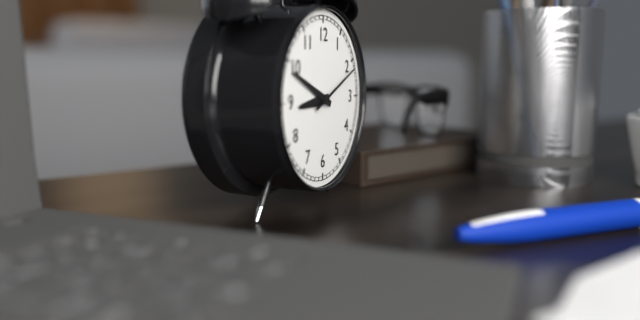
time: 8:49:11
